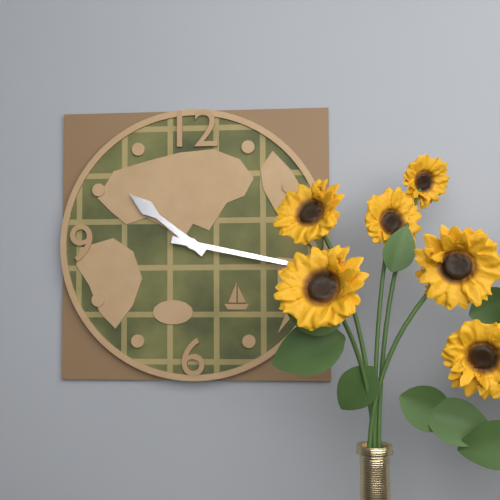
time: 10:17
